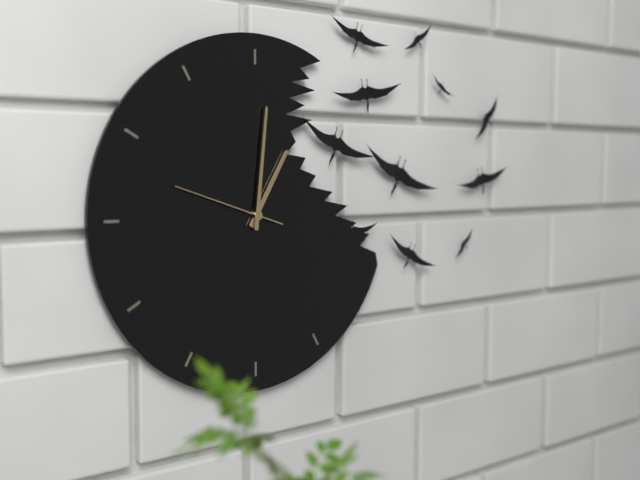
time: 1:01:48
